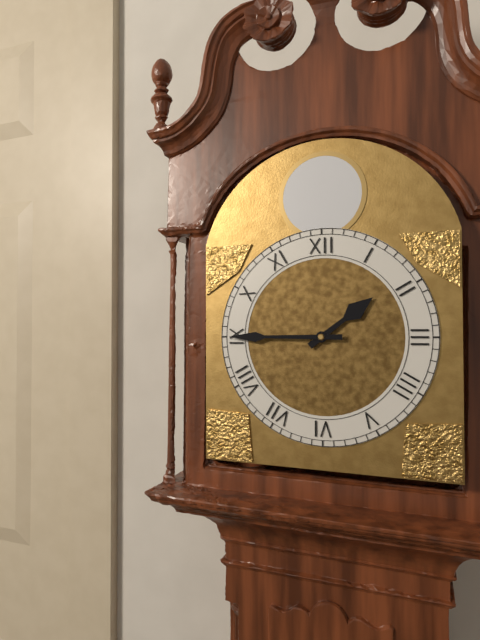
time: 1:45
